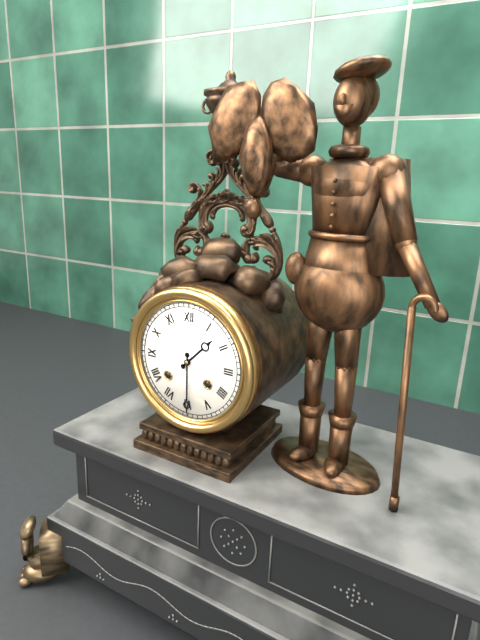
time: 1:30
